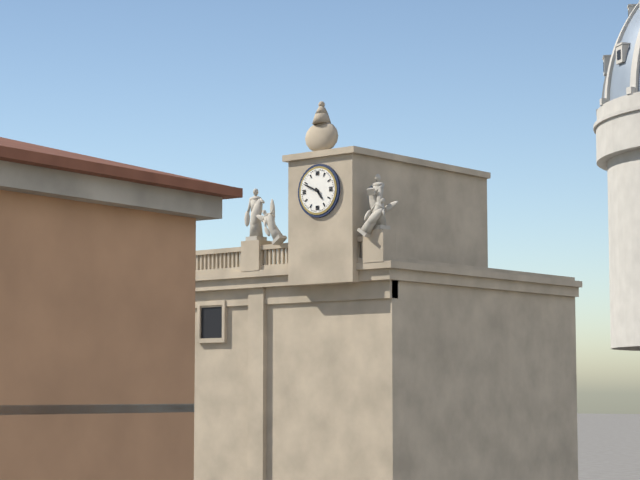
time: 4:49
